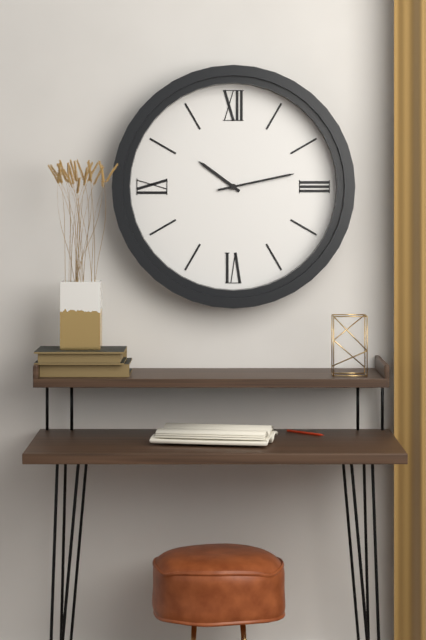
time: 10:13
